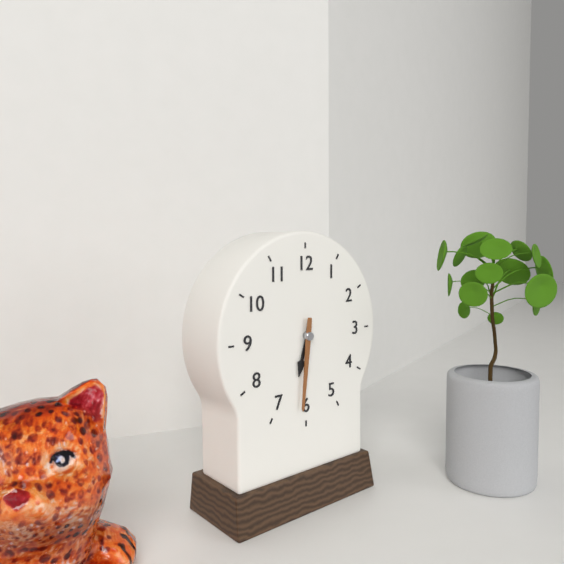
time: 6:31
